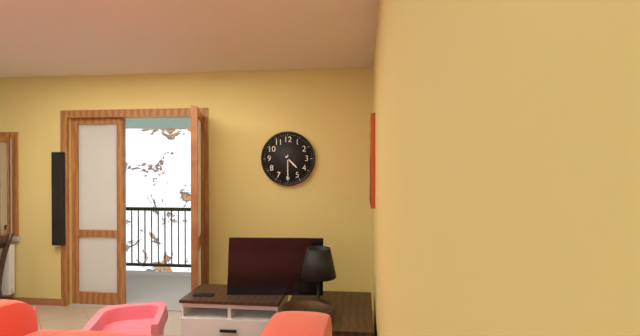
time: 4:30
